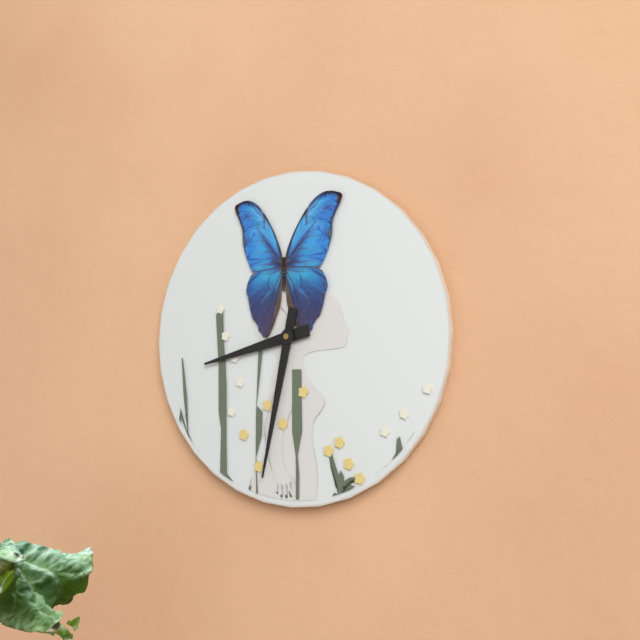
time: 8:32
